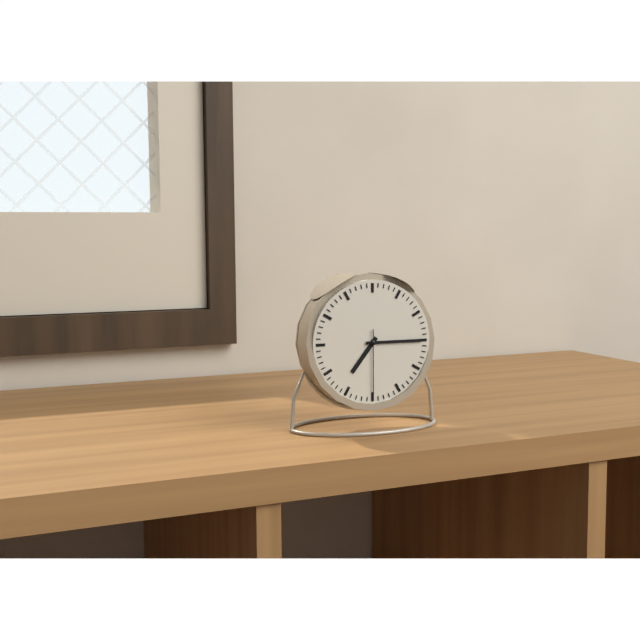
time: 7:15:30
